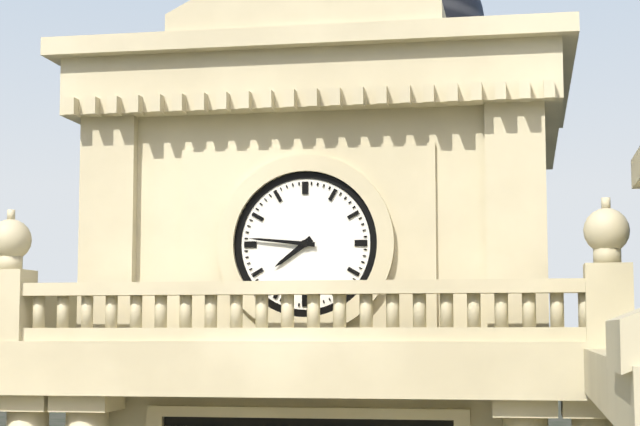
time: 7:46
